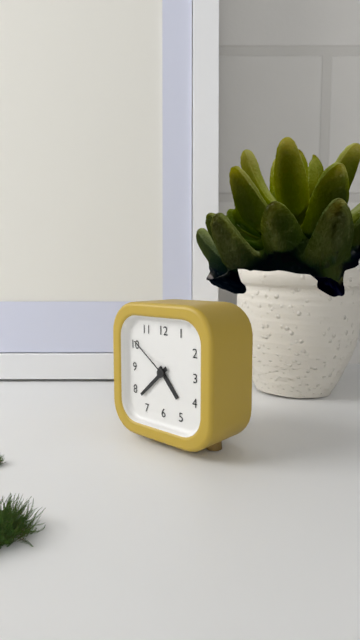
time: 4:38:51
